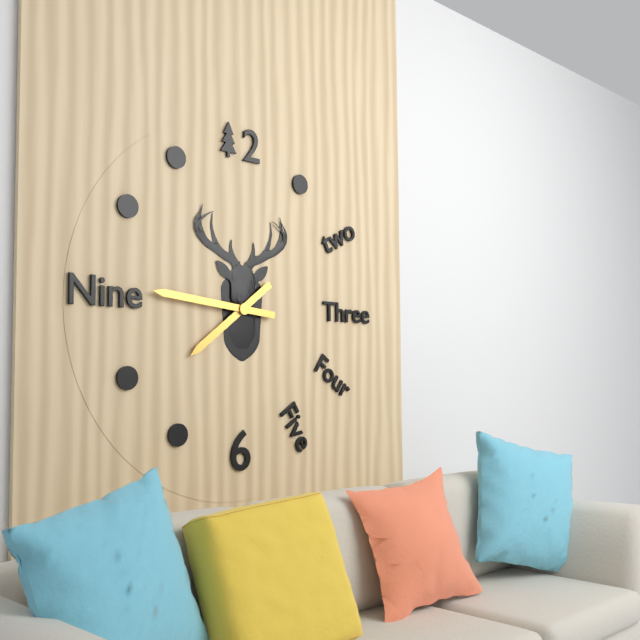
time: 7:46
